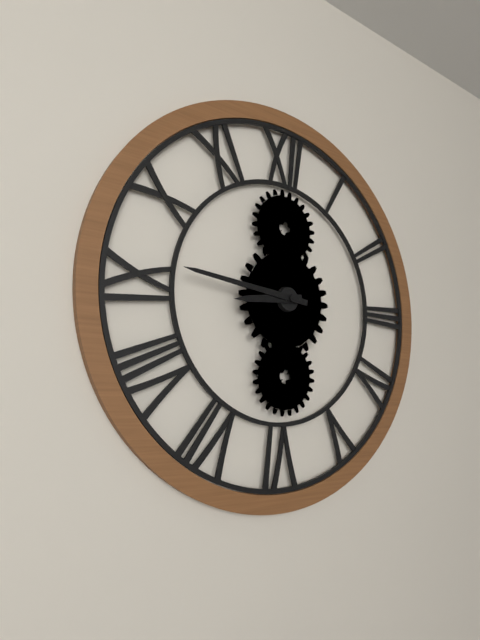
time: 8:46
